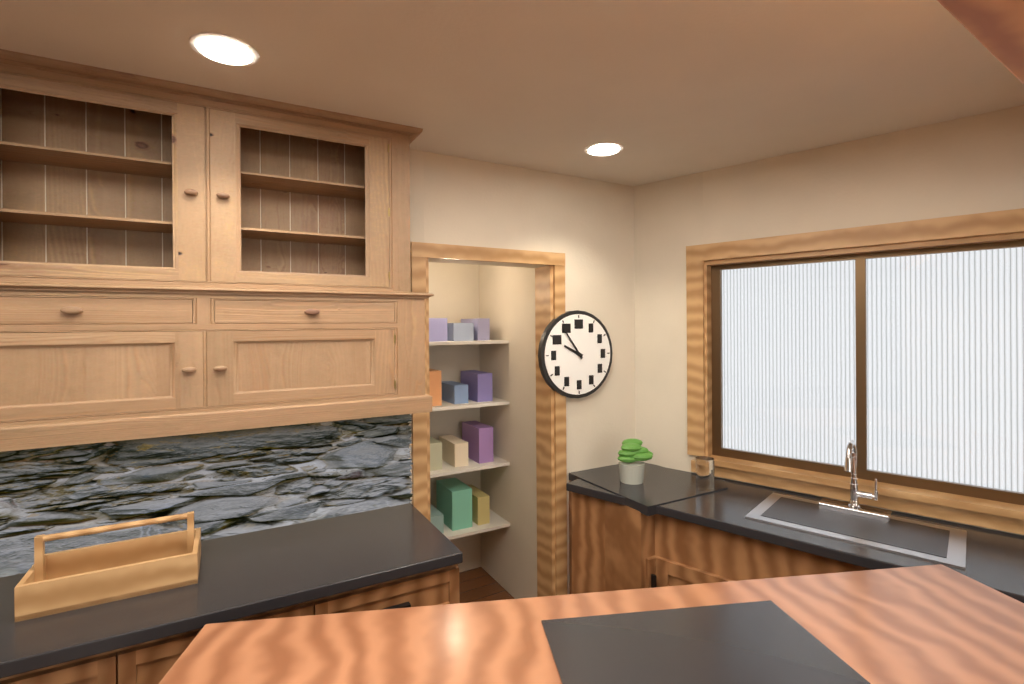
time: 9:54
